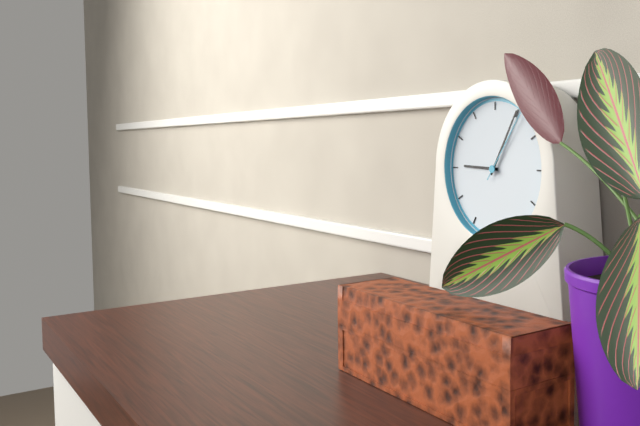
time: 9:05:06
